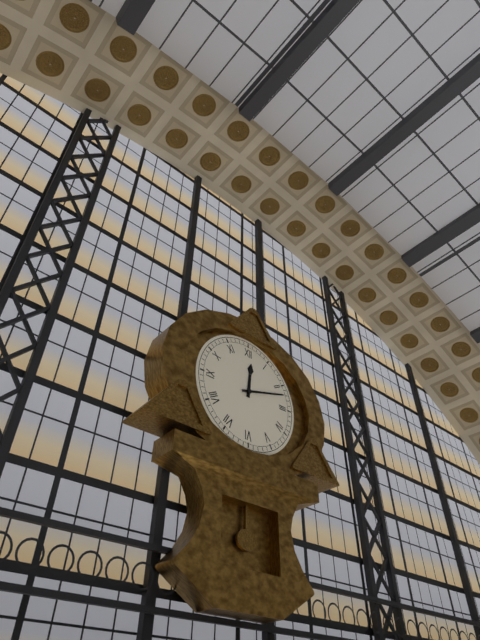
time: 12:12
